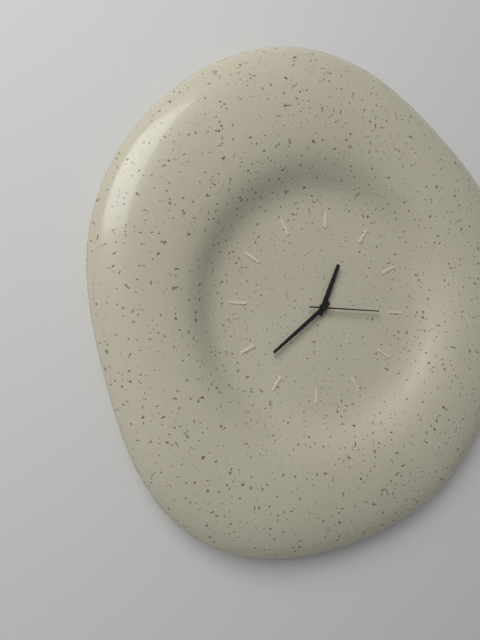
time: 12:38:15
